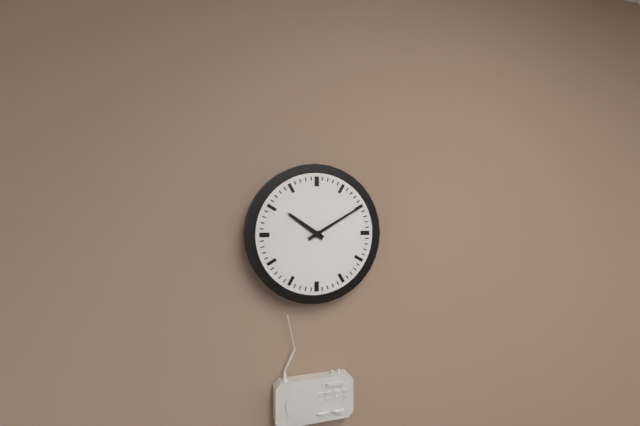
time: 10:10
